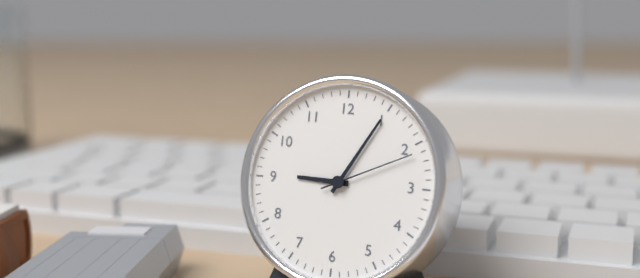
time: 9:05:11
